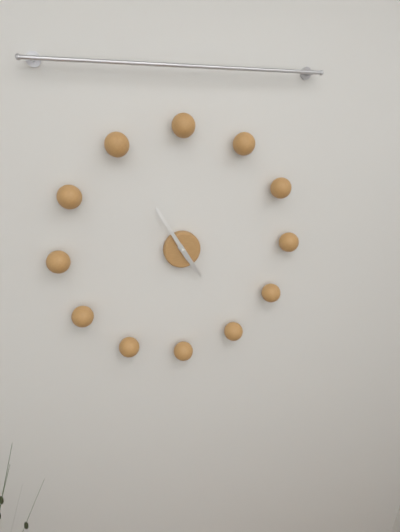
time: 4:55
